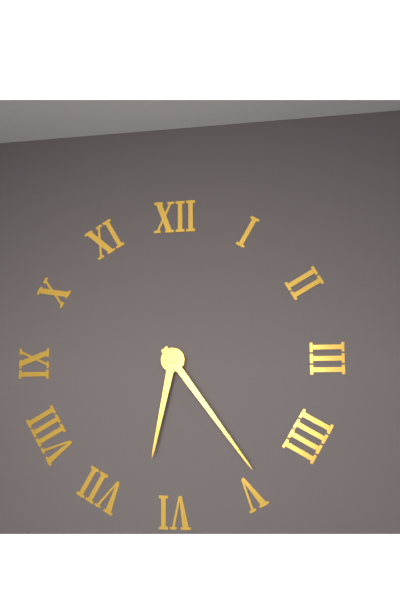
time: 6:24
